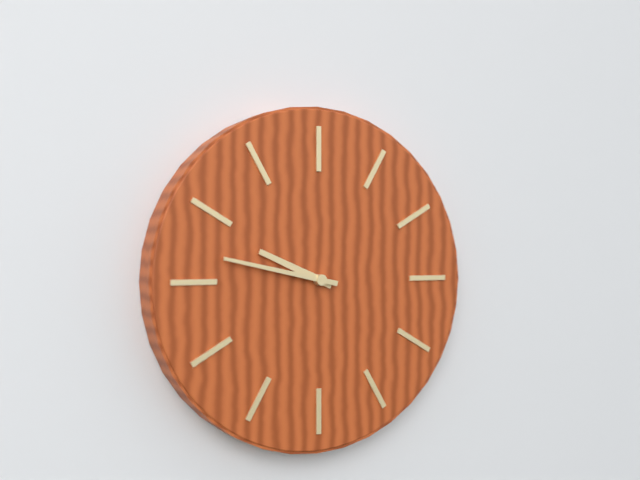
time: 9:47
